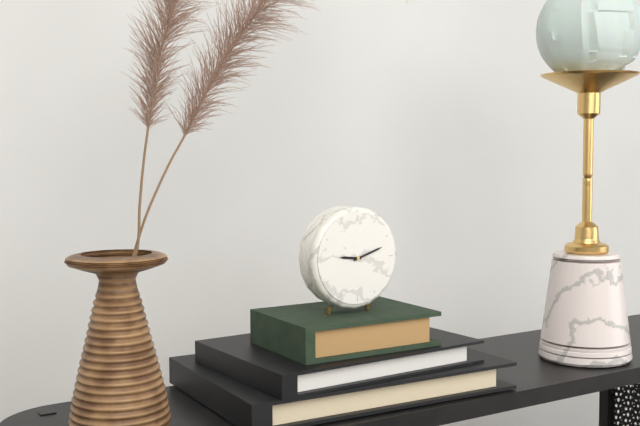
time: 9:12
